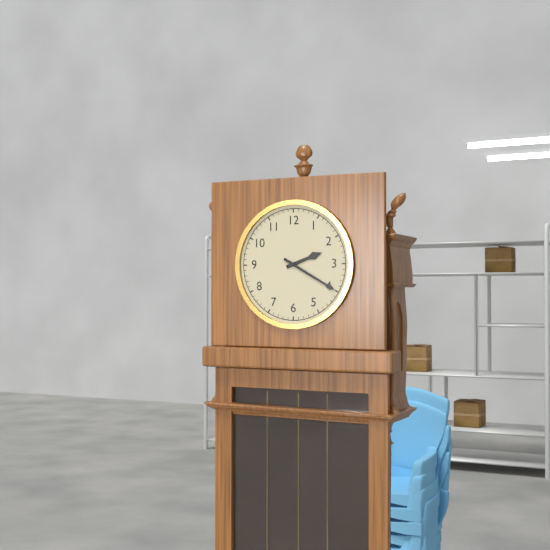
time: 2:20
